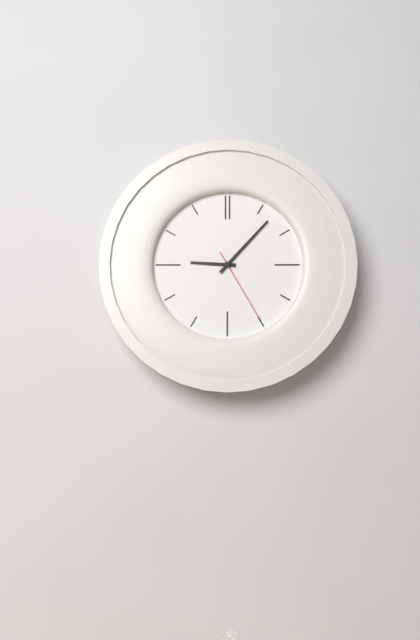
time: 9:07:25
